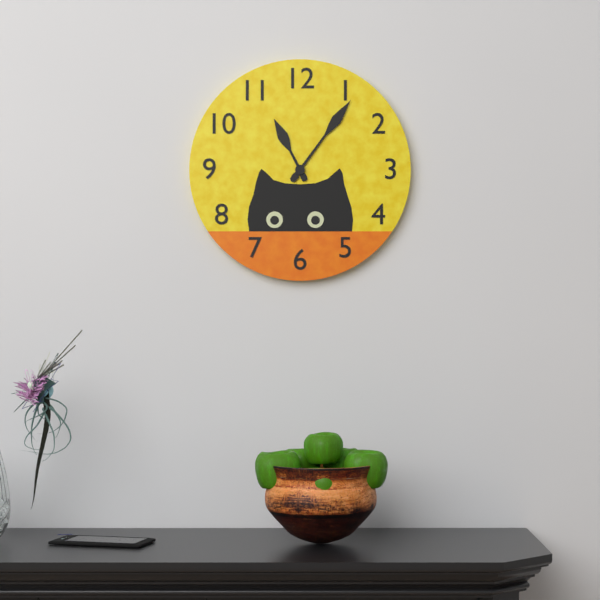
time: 11:06
